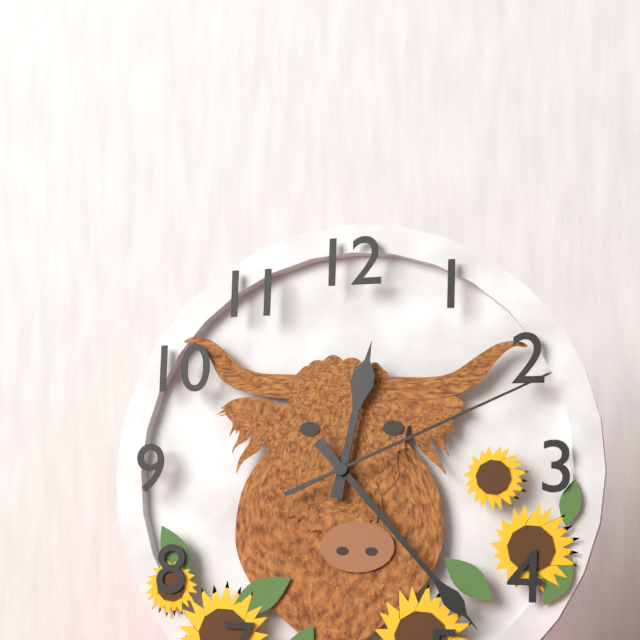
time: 12:23:11
